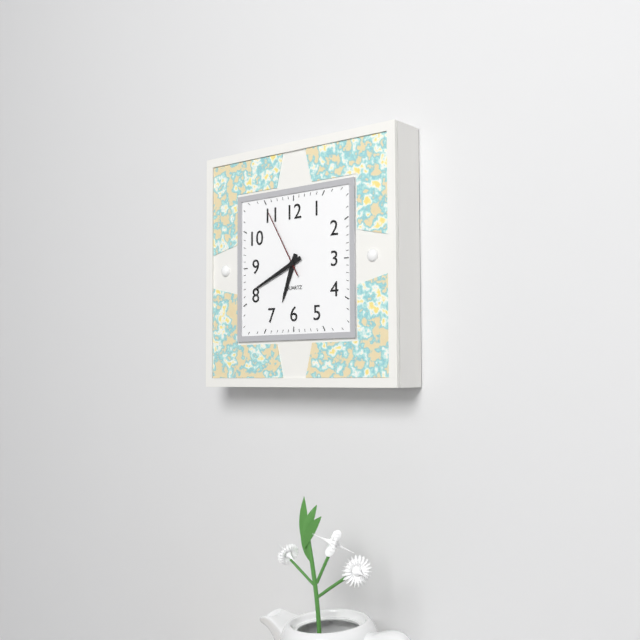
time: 6:41:55
